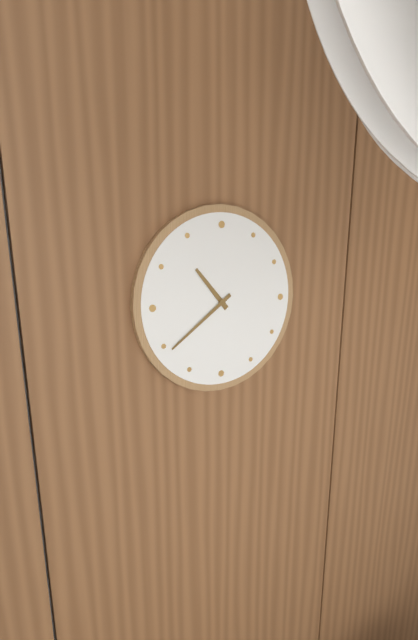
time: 10:39
